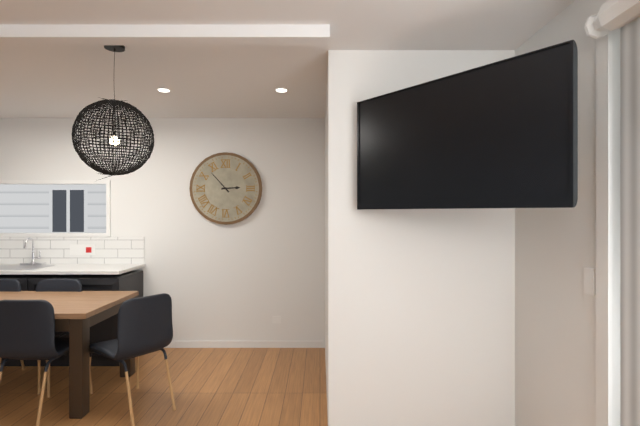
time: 2:53
